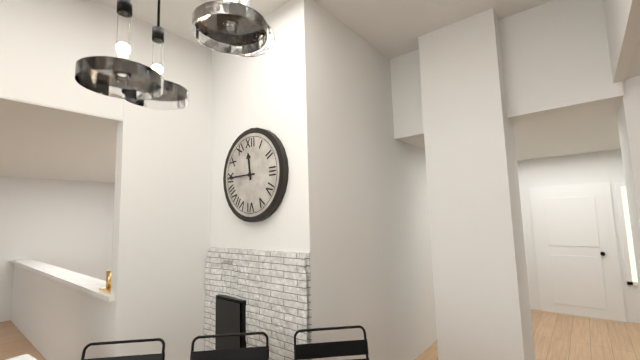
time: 11:45
